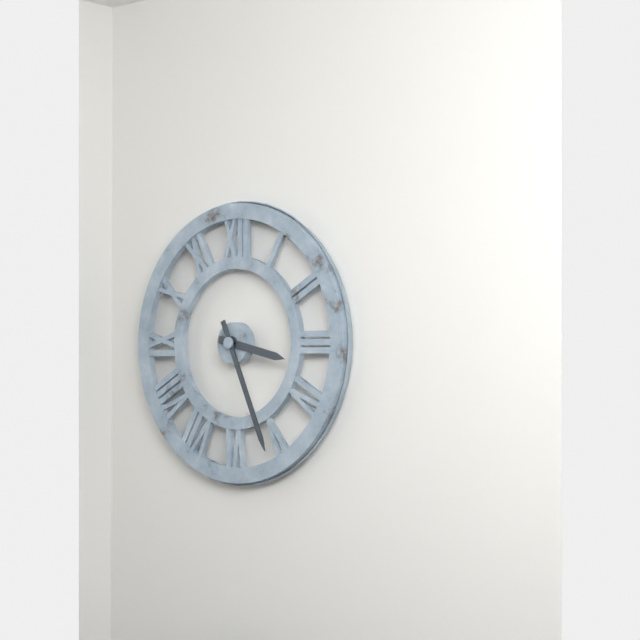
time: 3:26
